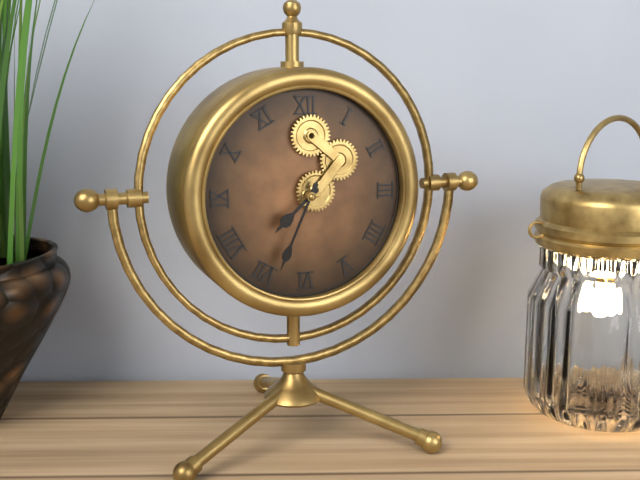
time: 7:34
